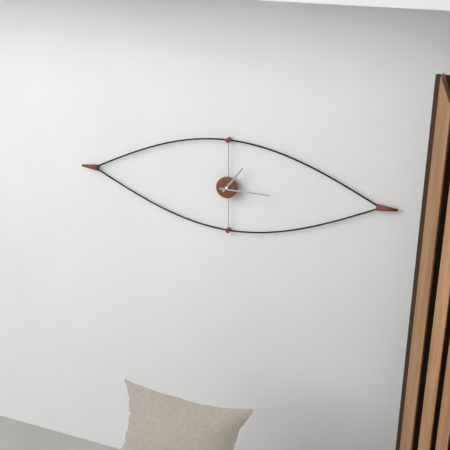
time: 1:15
